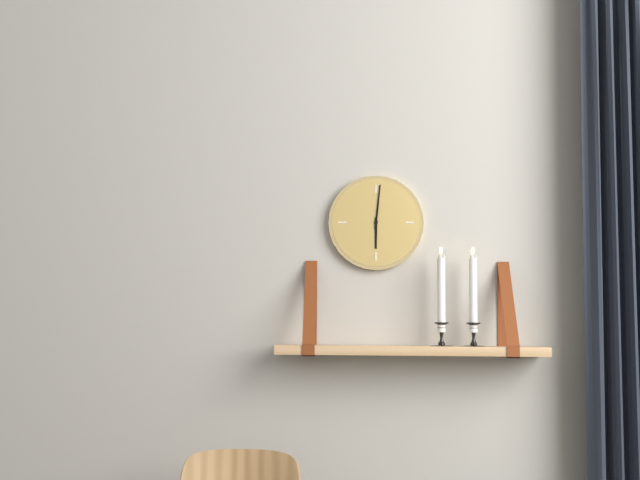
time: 6:01
